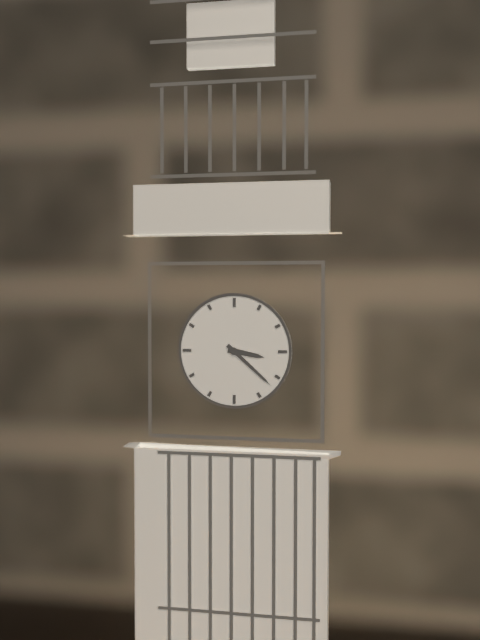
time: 3:22
